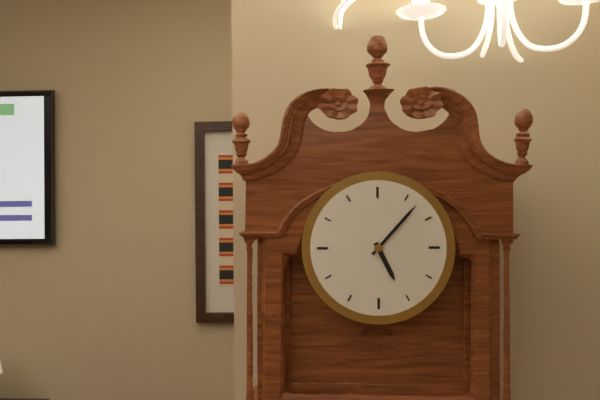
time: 5:07
